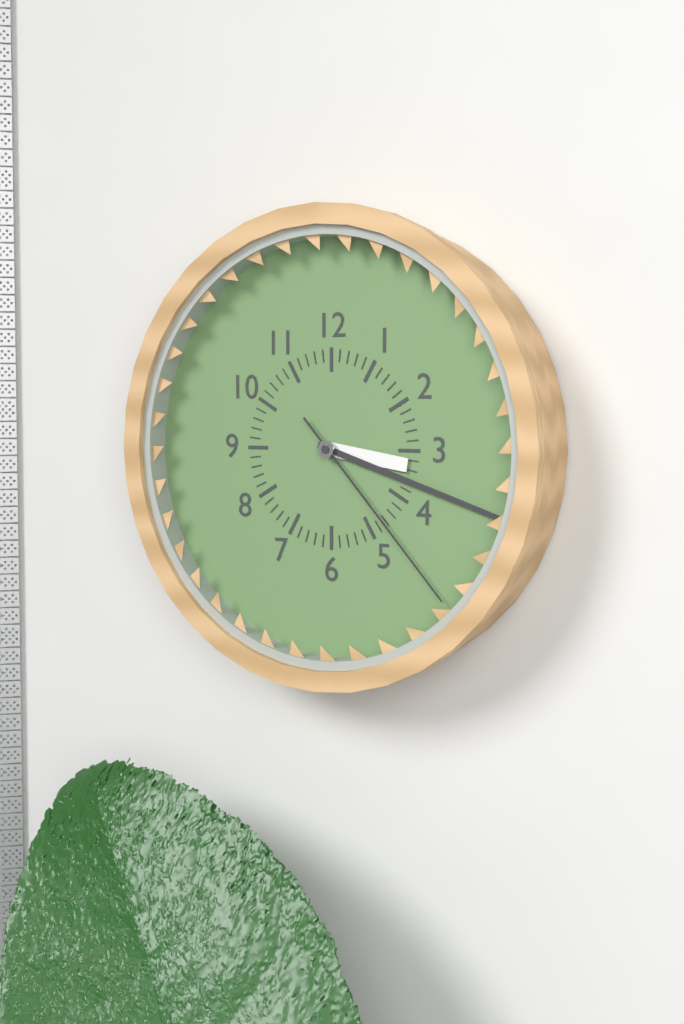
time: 3:18:23
